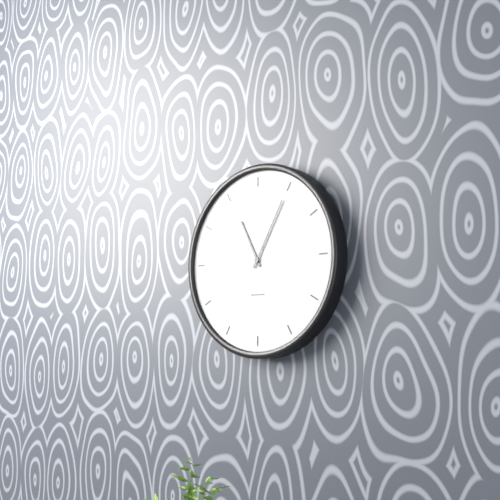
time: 11:05
